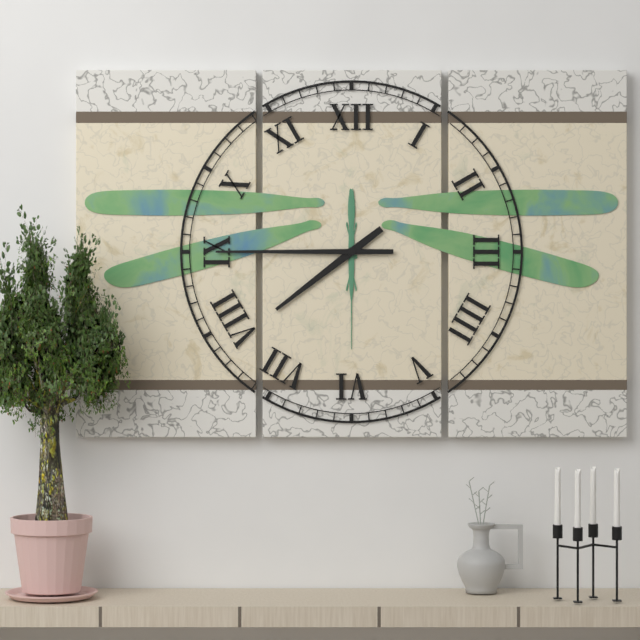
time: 7:45
